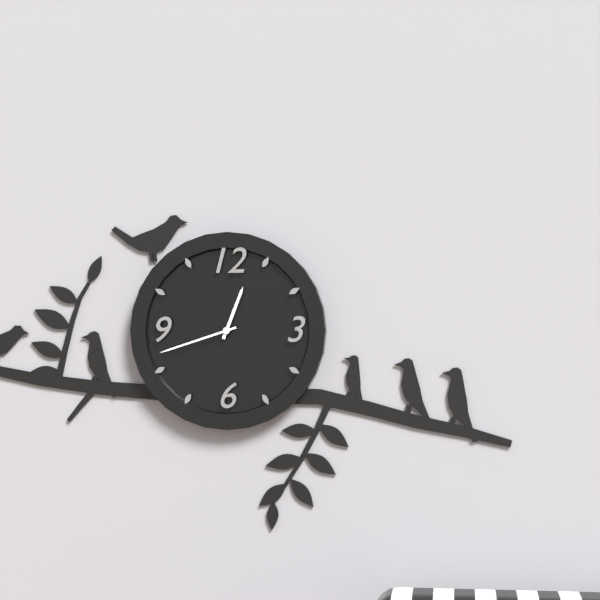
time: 12:42
